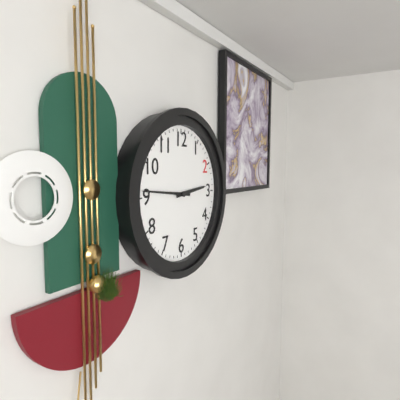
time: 2:46
